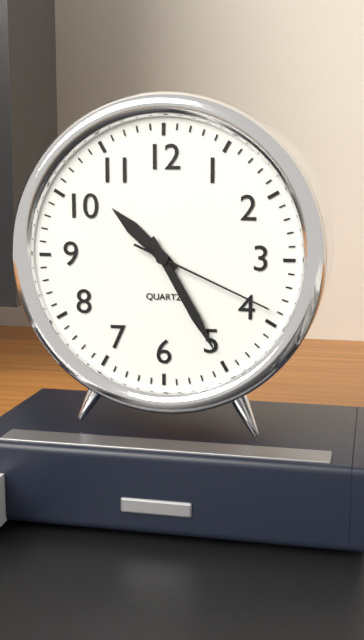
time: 10:25:19
